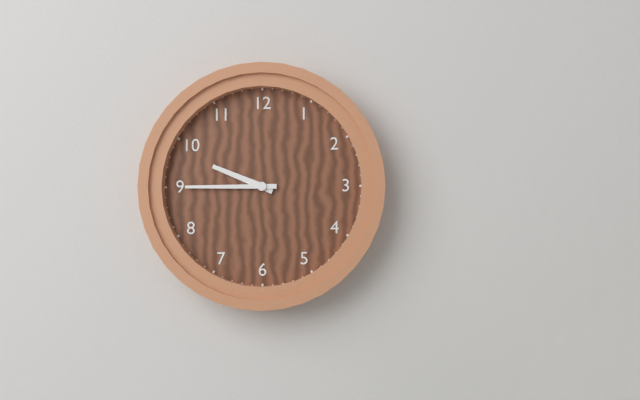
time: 9:45
